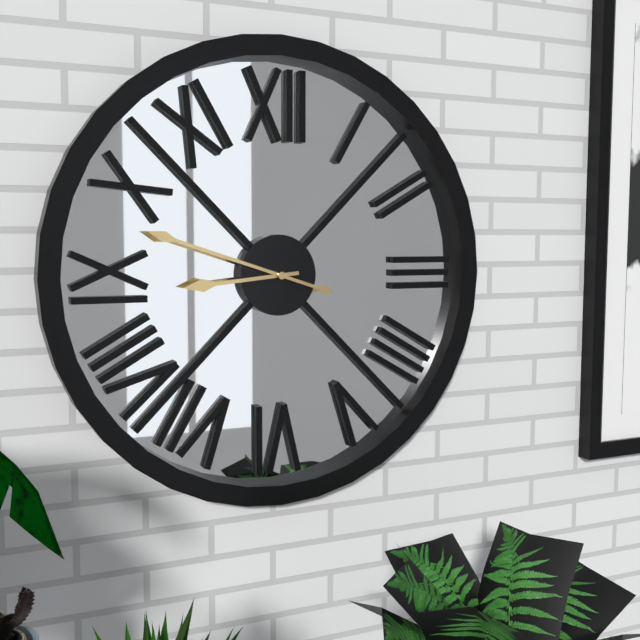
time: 8:48
